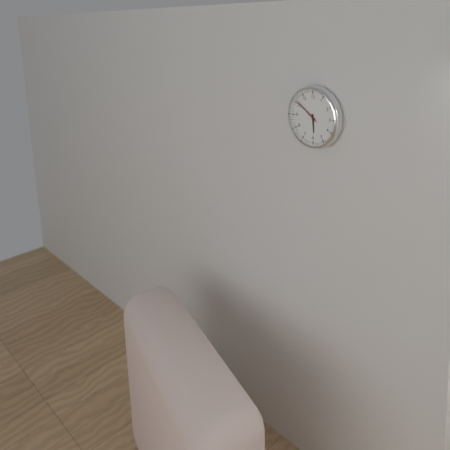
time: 5:51
